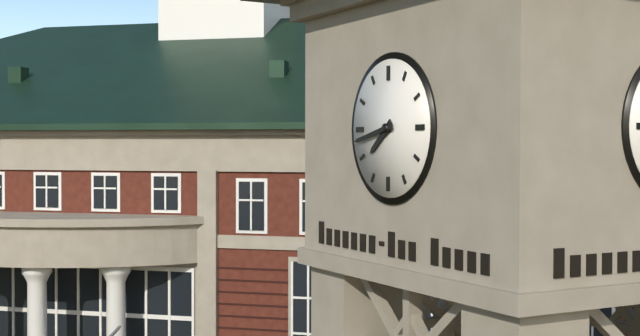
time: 7:43
